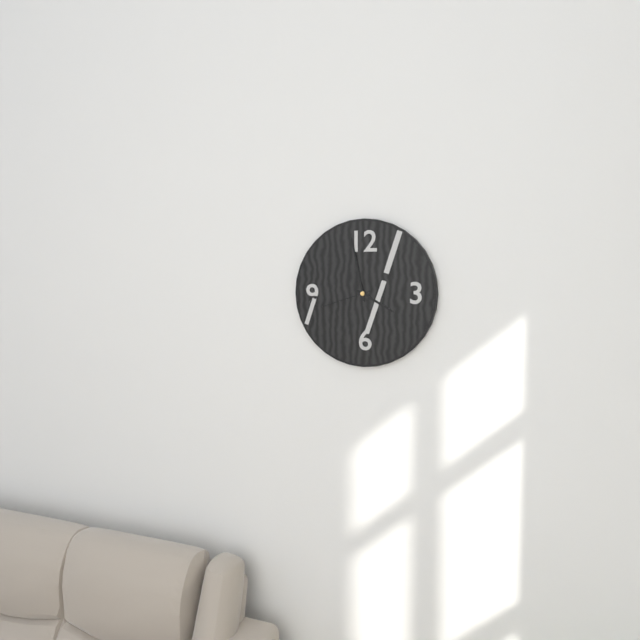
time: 3:58:42
